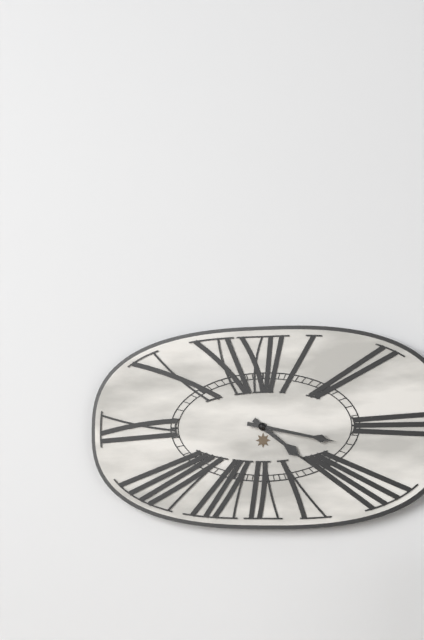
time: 4:17
